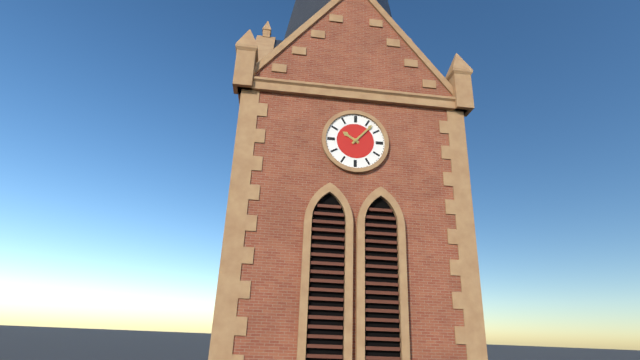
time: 10:07
